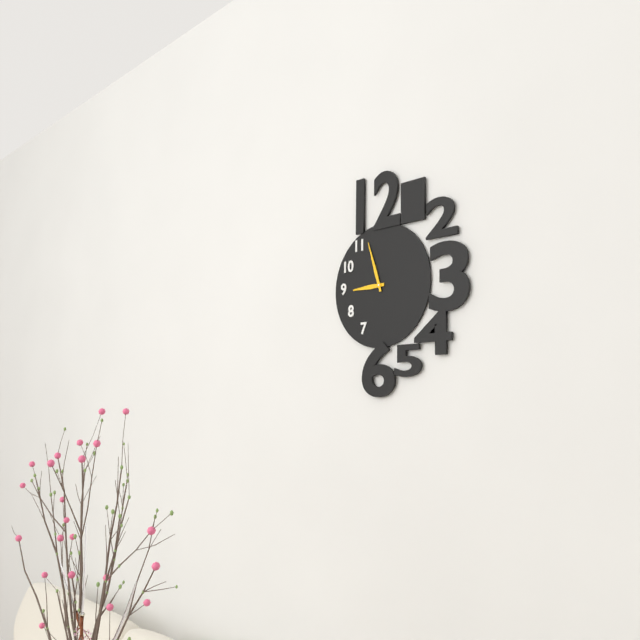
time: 8:57
